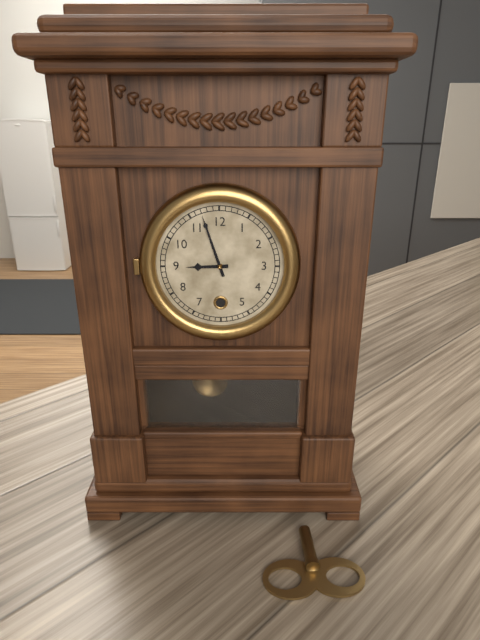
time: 8:57
